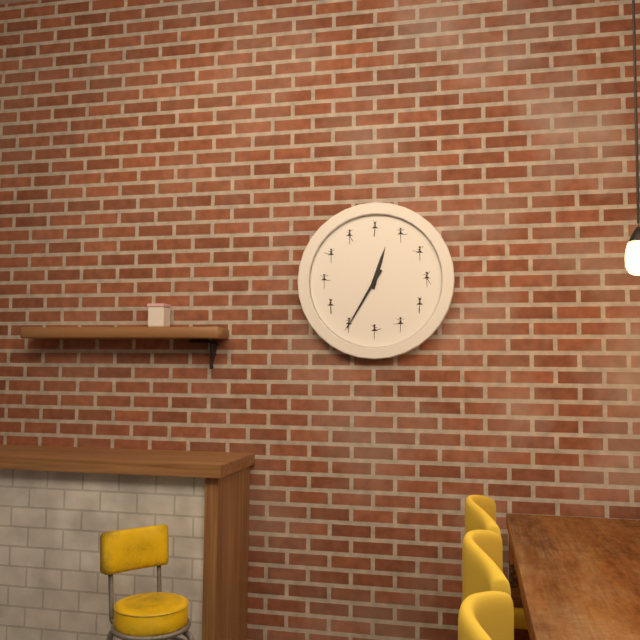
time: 12:35
